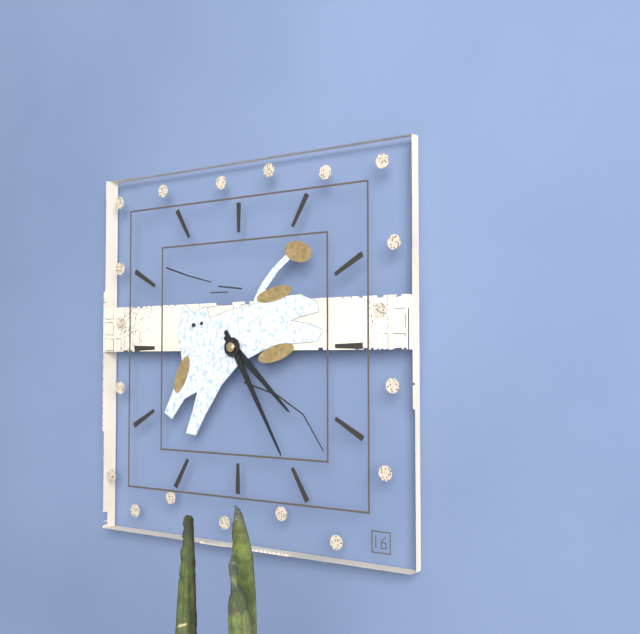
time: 4:25
